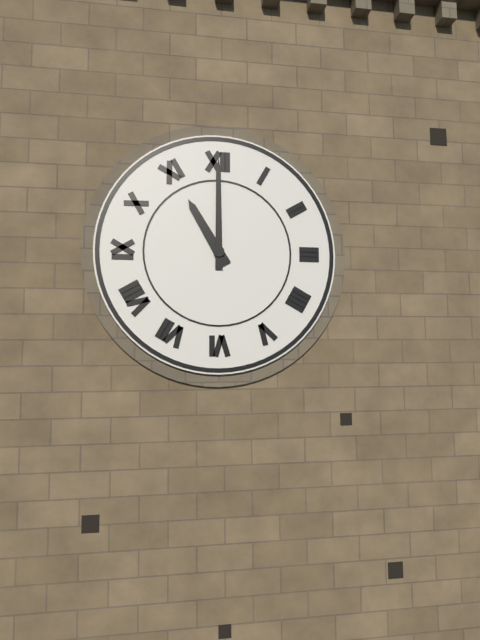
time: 11:00
